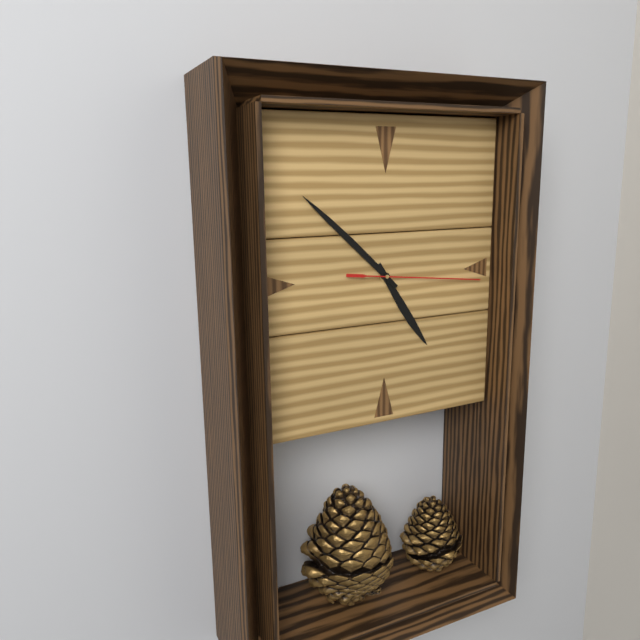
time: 4:52:16
